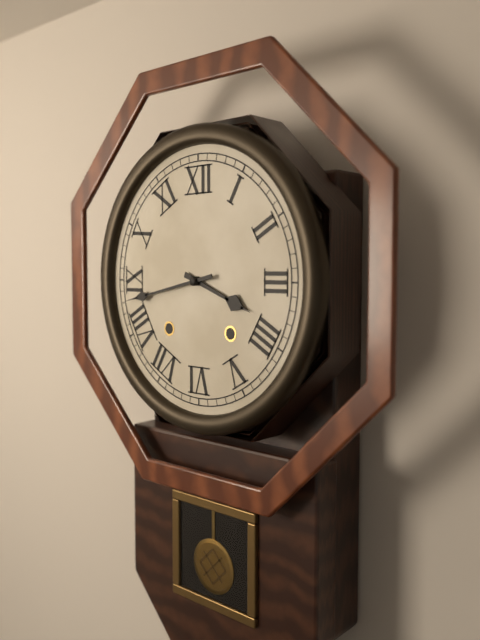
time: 3:43
